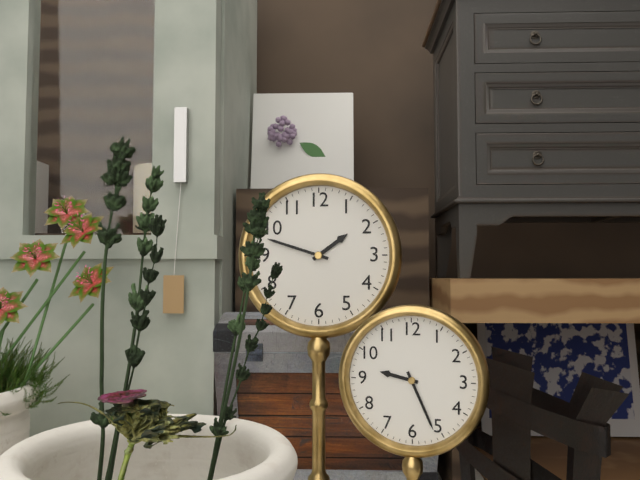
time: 1:48
